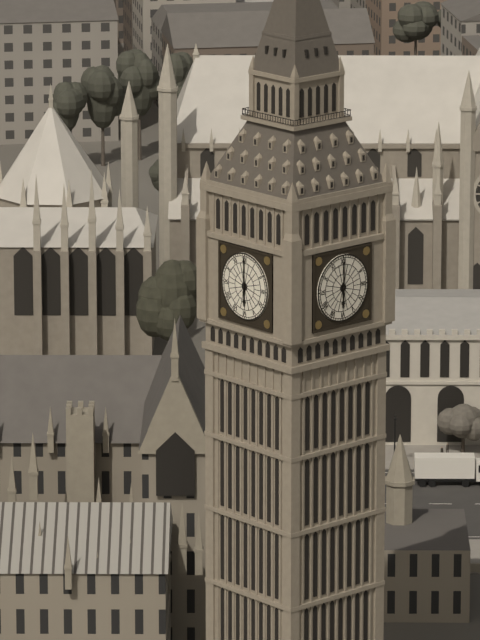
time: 6:00
